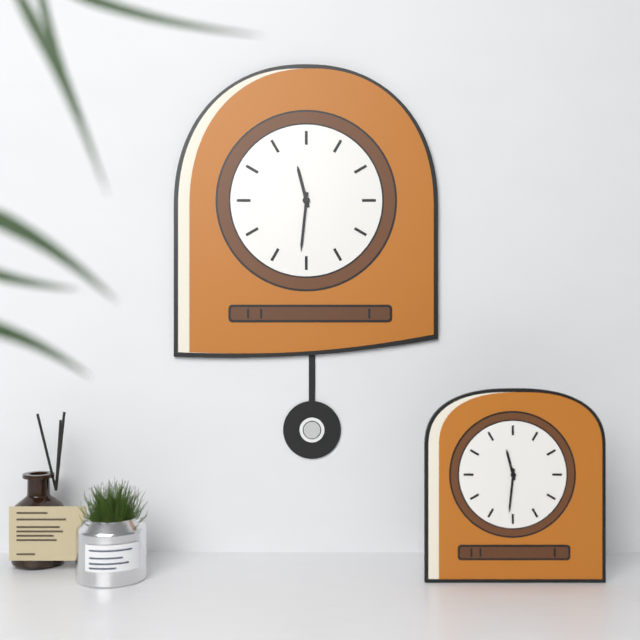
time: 11:31
